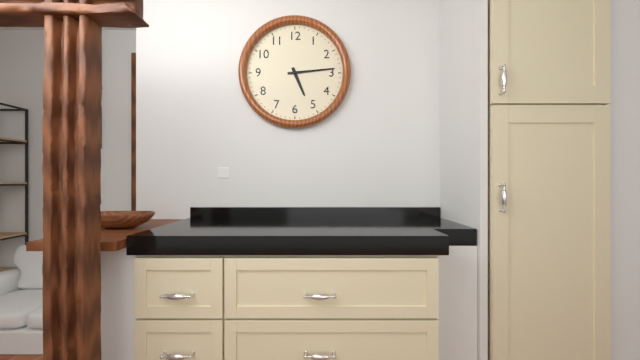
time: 5:14
